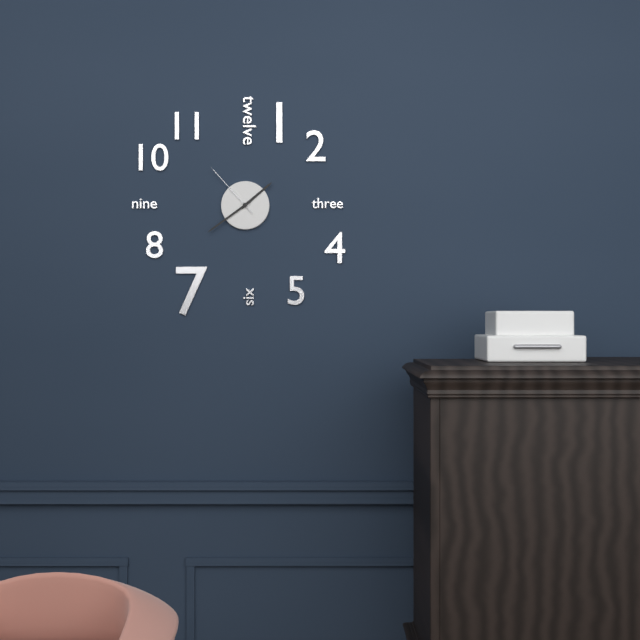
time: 1:39:53
